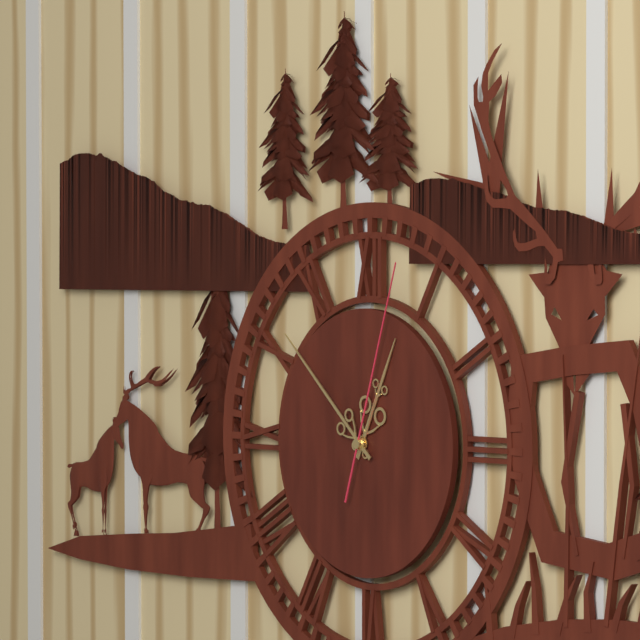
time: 12:52:03
